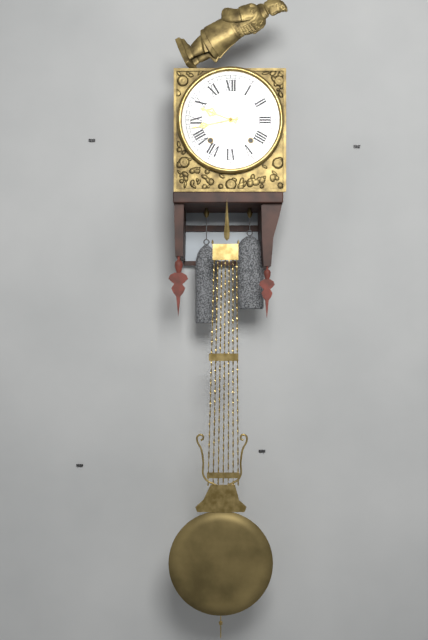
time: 9:43
